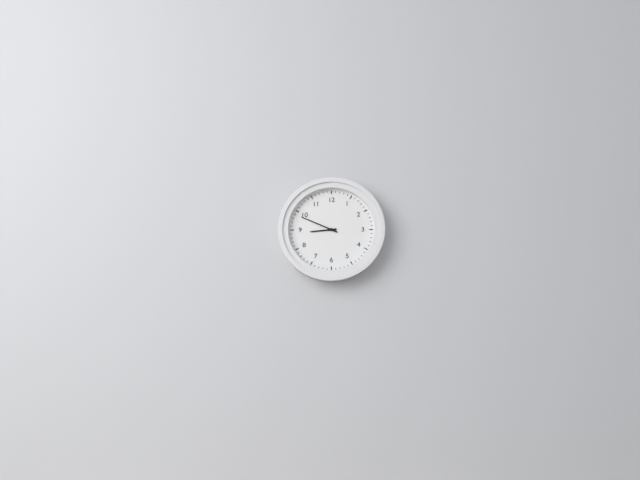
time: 8:49
